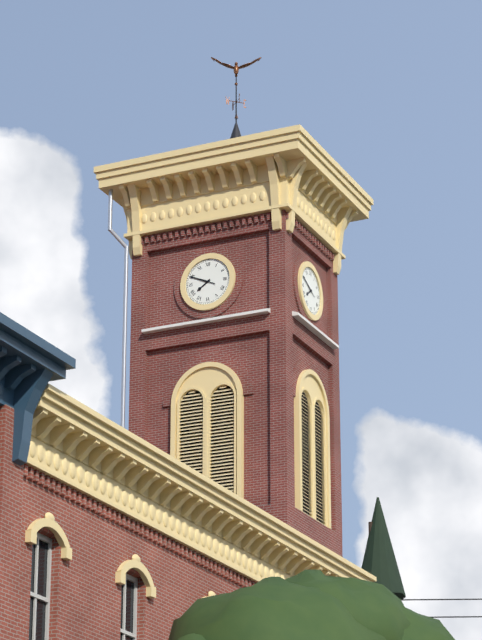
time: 7:49
